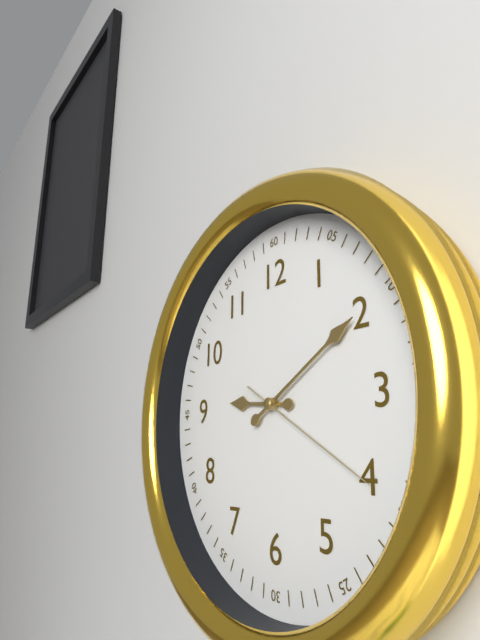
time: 9:10:20
